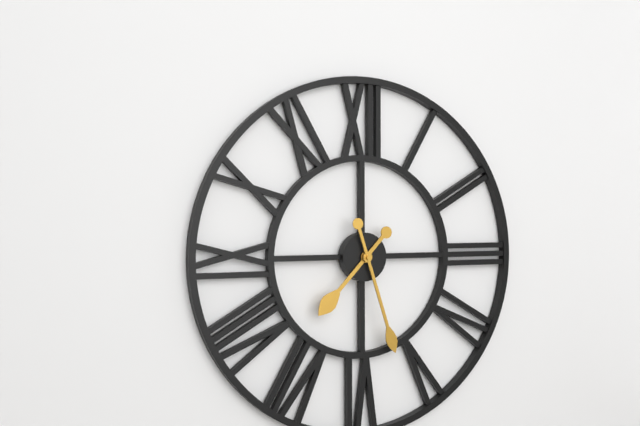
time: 7:27
